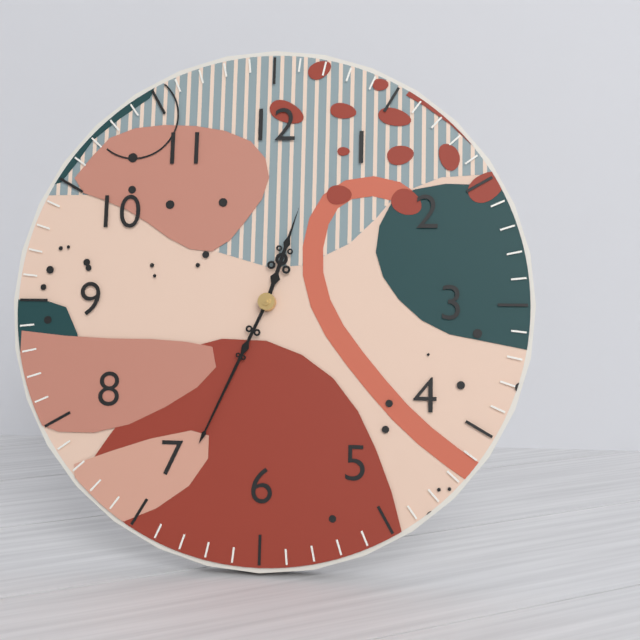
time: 12:34
